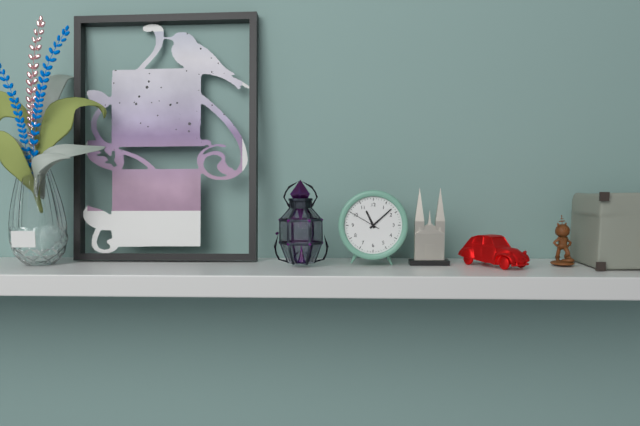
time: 11:08
